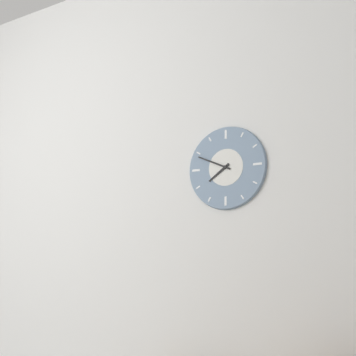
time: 7:49
